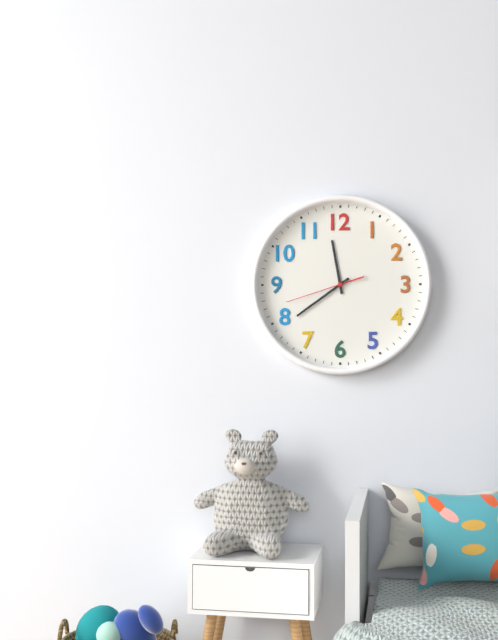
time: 11:39:42
